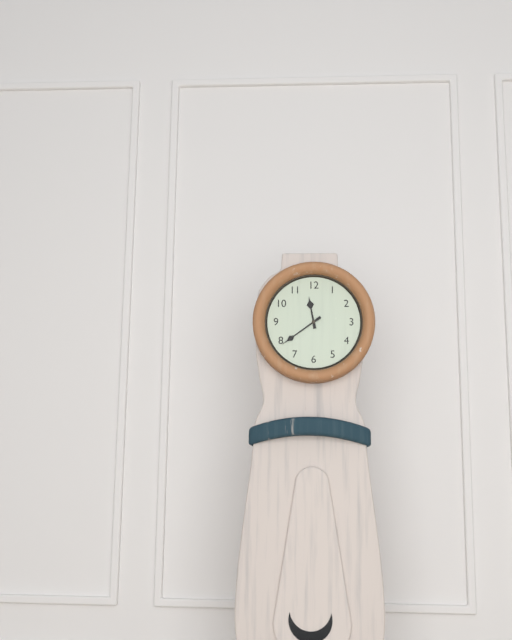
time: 11:39
